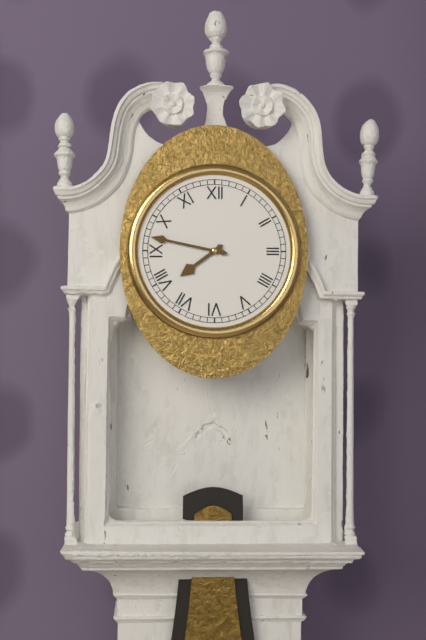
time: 7:47
